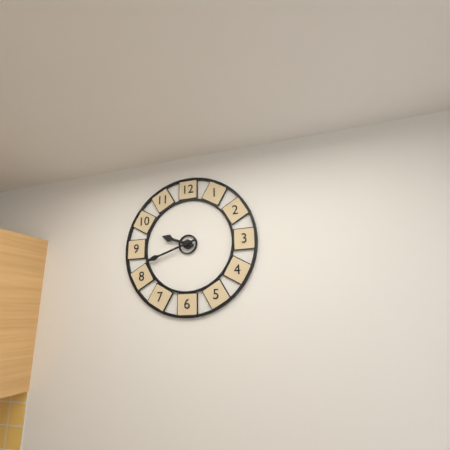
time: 9:42
